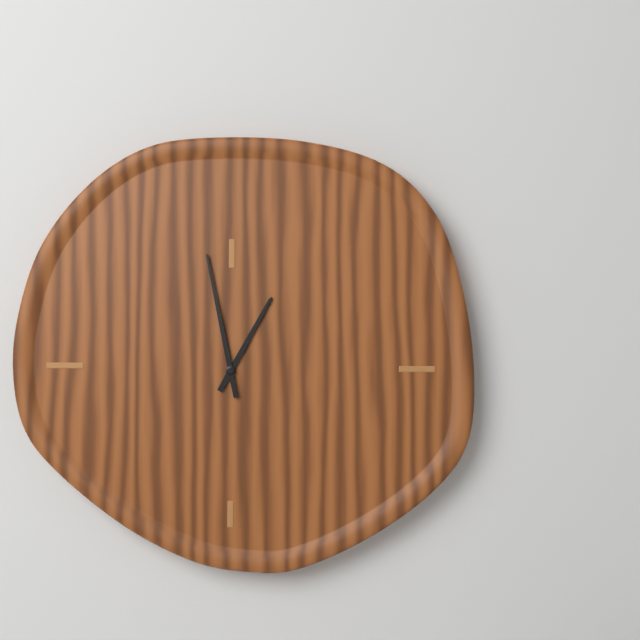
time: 12:58
